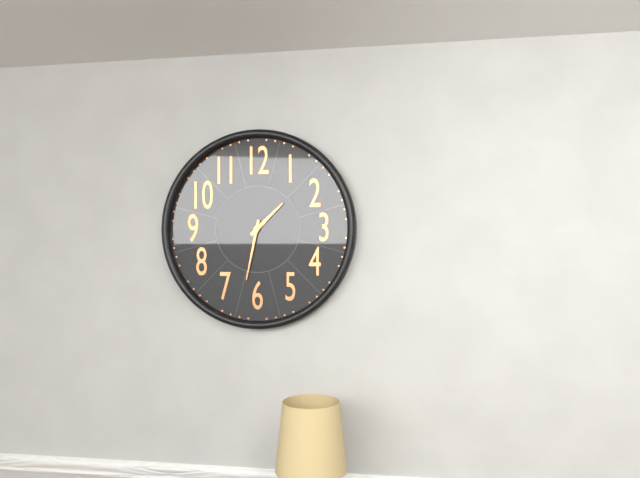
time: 1:32
